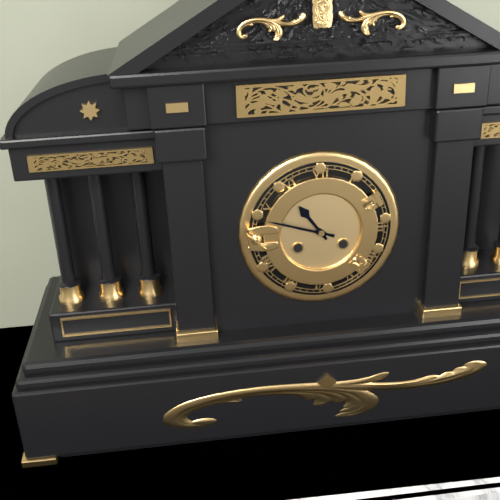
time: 10:48
